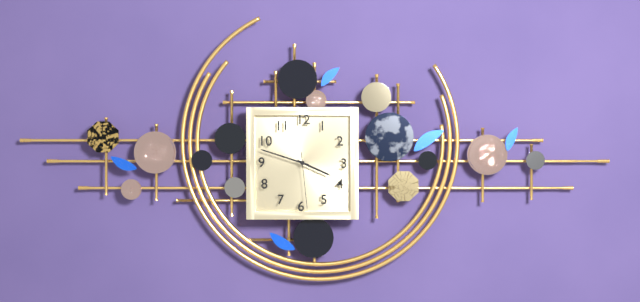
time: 3:48:29
